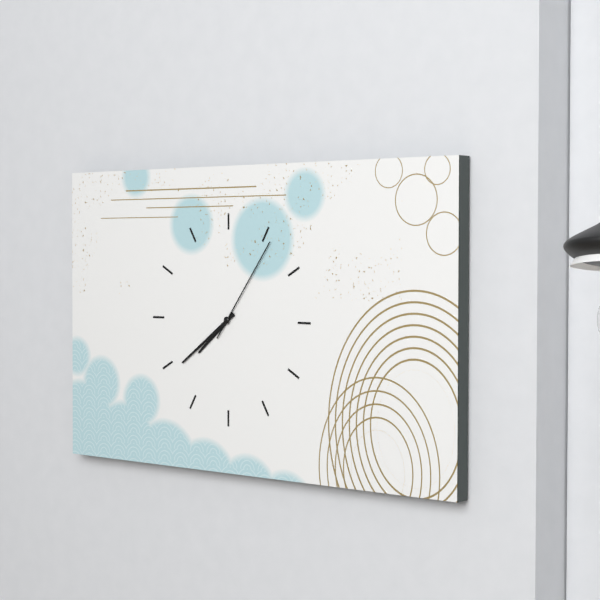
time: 7:39:06
